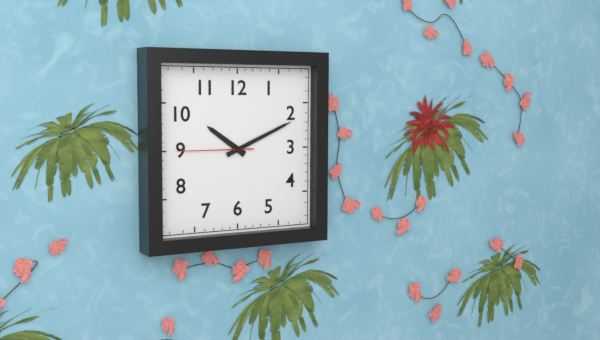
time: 10:11:45
